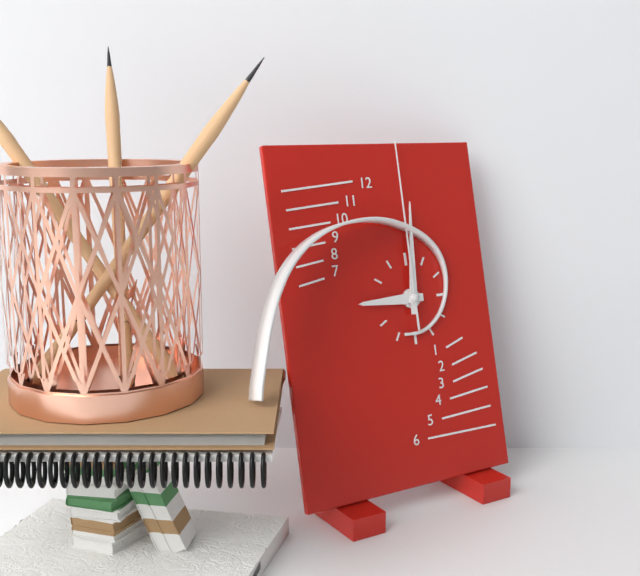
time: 9:01:00
